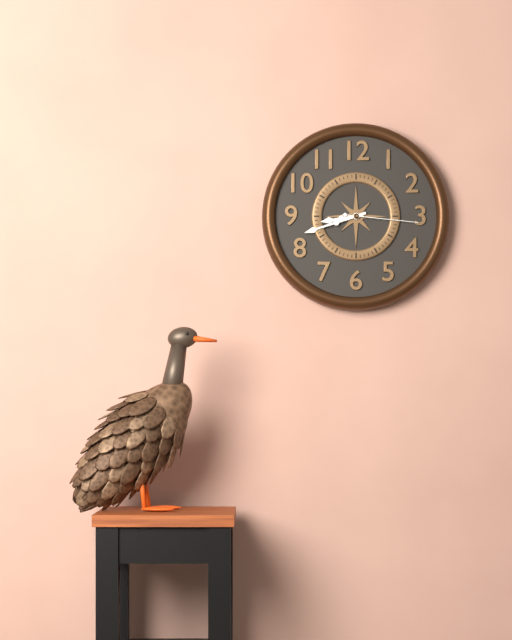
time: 8:42:16
